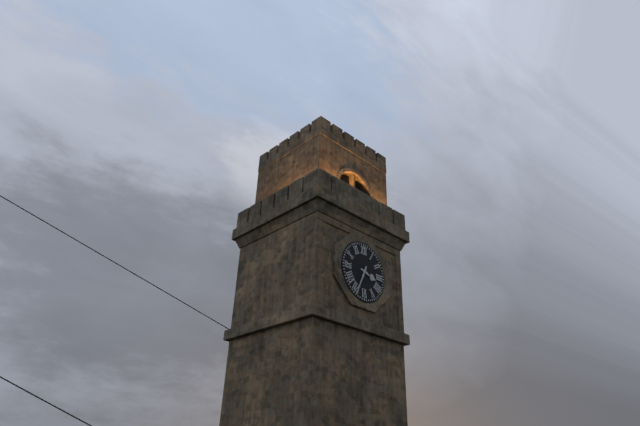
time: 3:34
